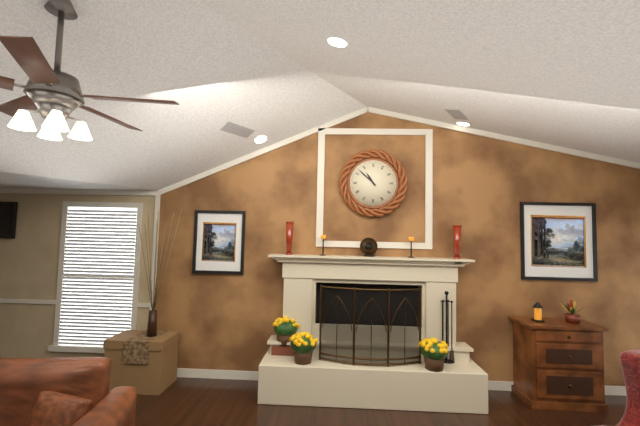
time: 10:52
